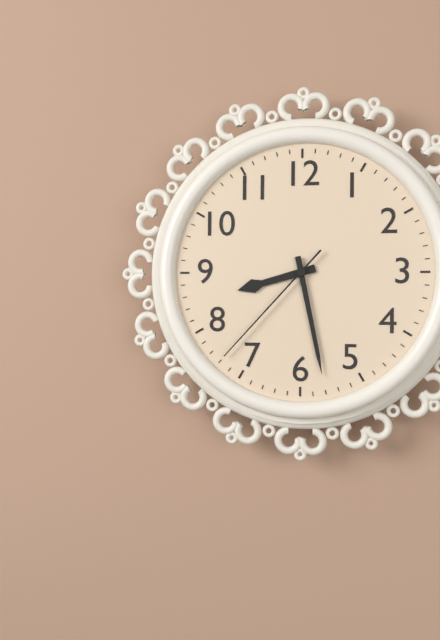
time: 8:28:37
